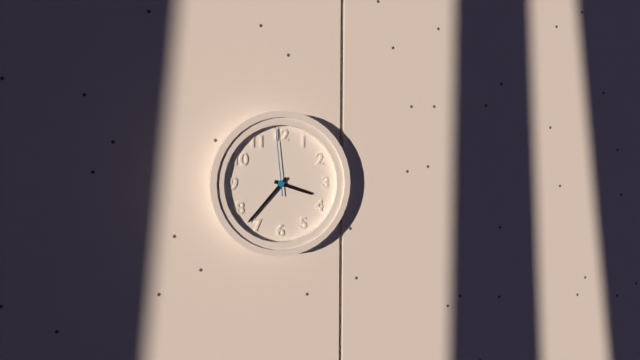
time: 3:37:59
